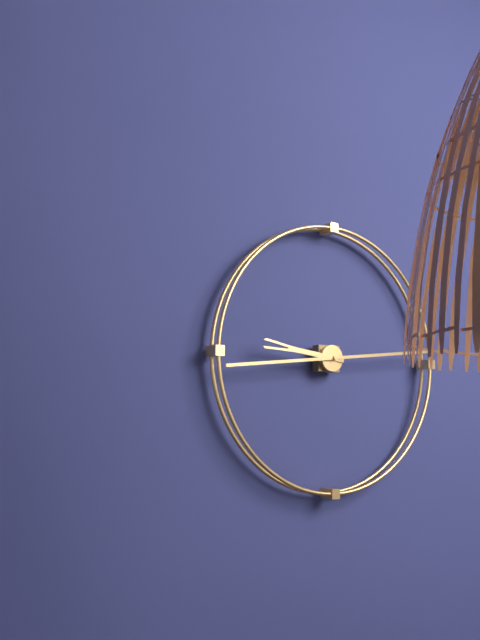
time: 9:14
